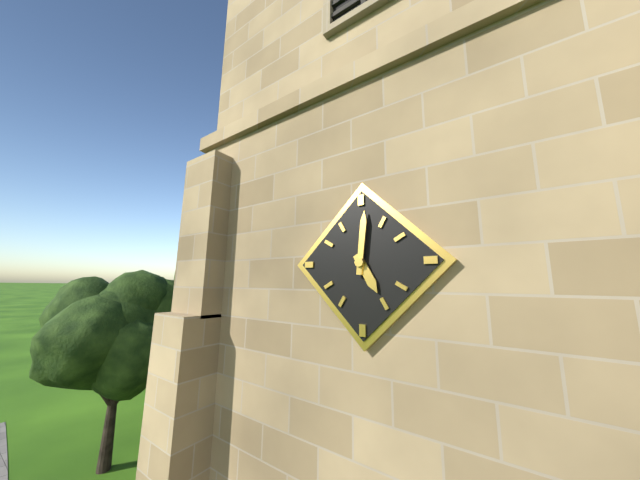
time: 5:01
